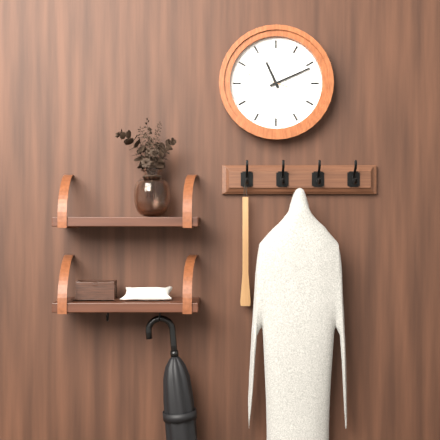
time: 11:11:48
